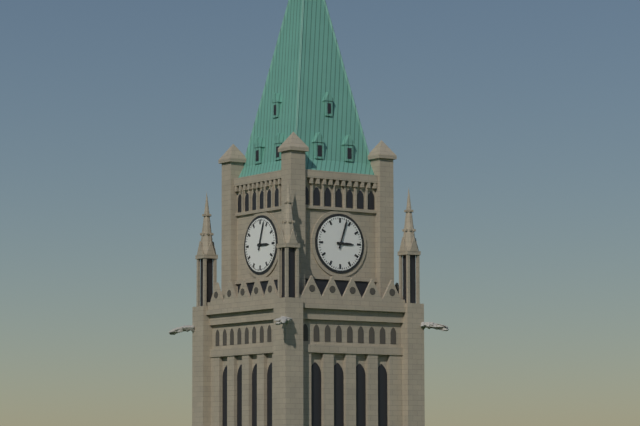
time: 3:03
